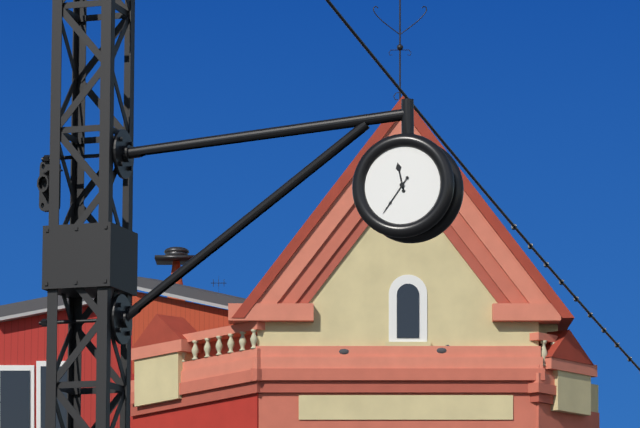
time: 11:36
